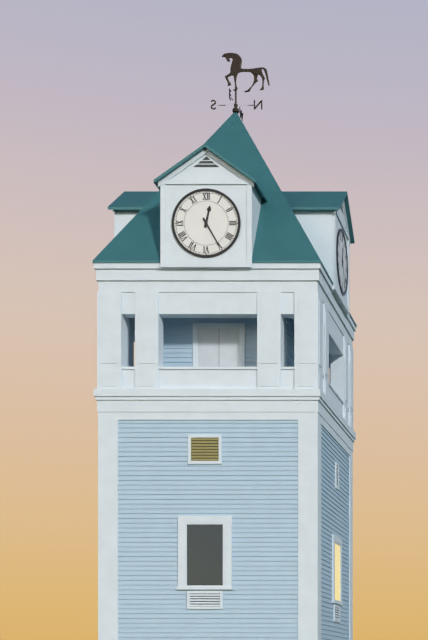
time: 12:25
